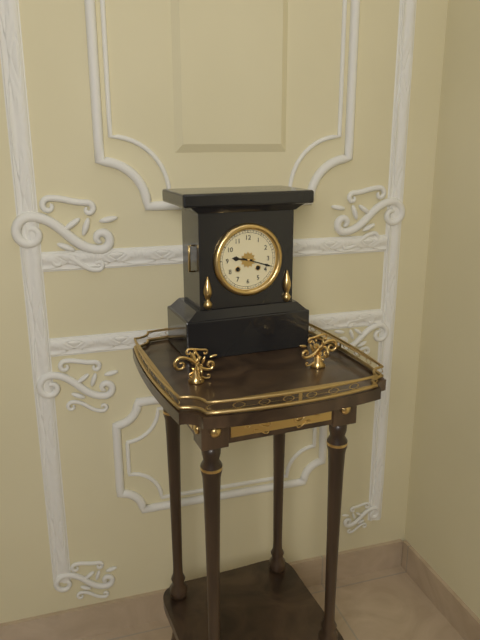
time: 9:18
